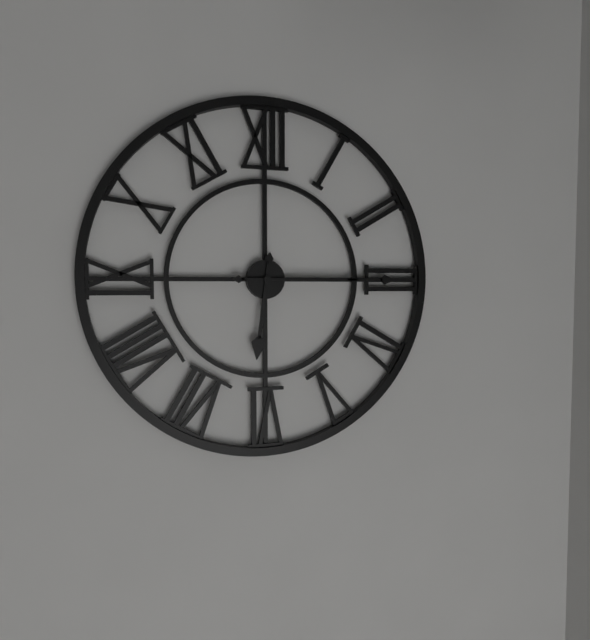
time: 6:15
